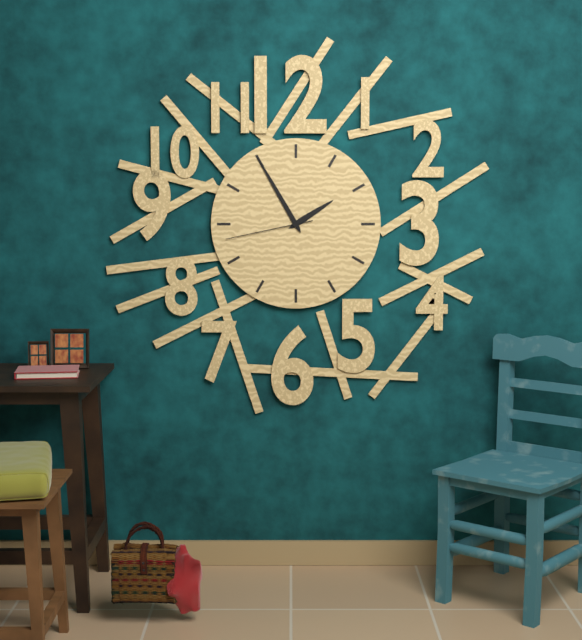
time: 1:55:43
